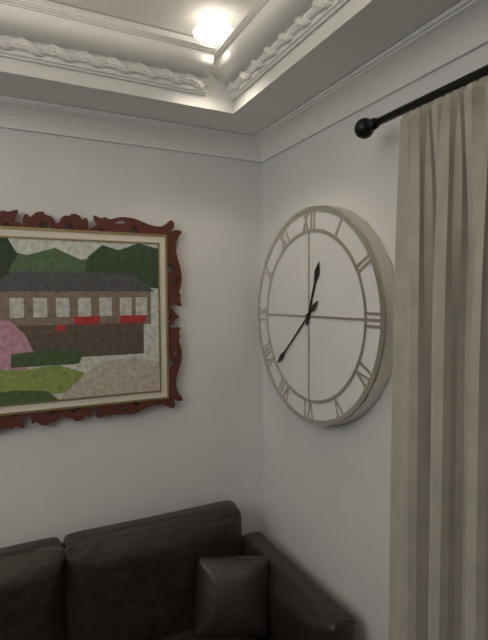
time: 12:38
